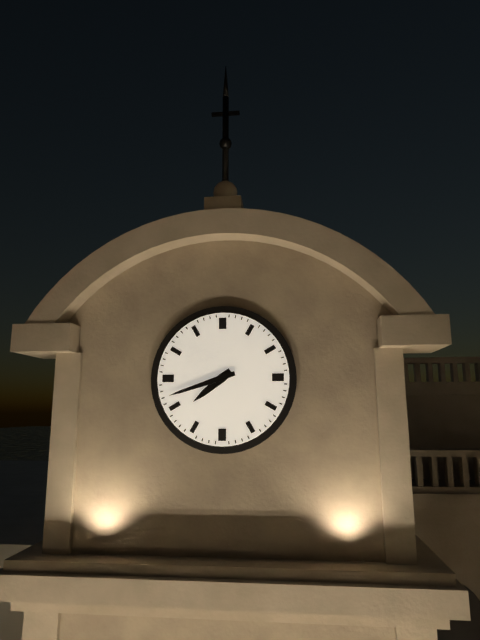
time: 7:42
